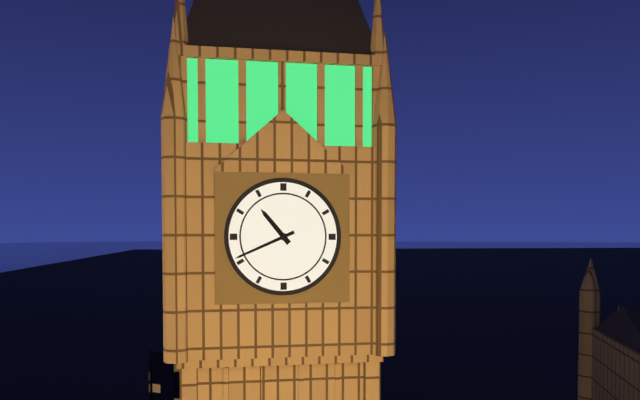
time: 10:41
